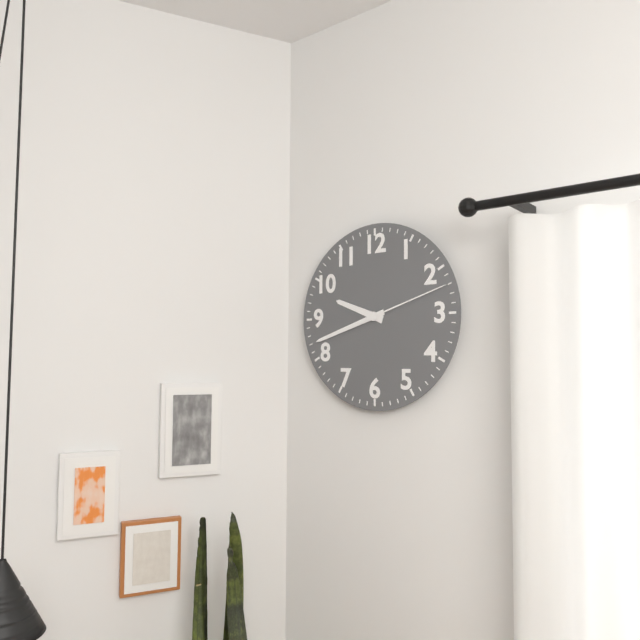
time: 9:42:12
